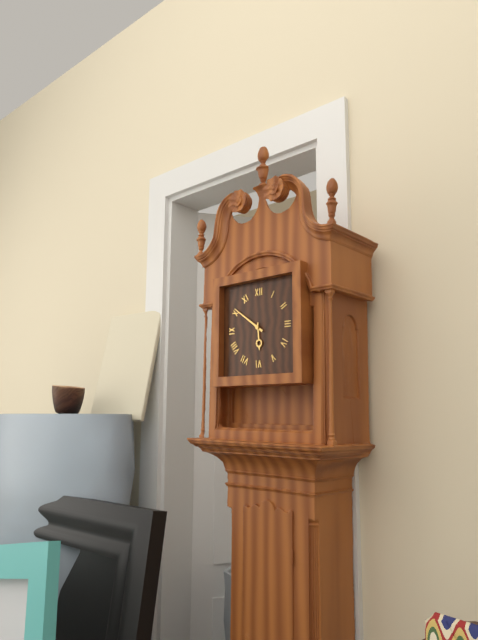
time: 5:51
